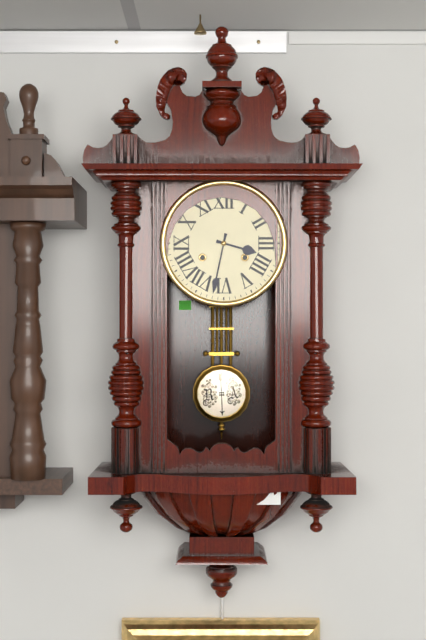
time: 3:32
